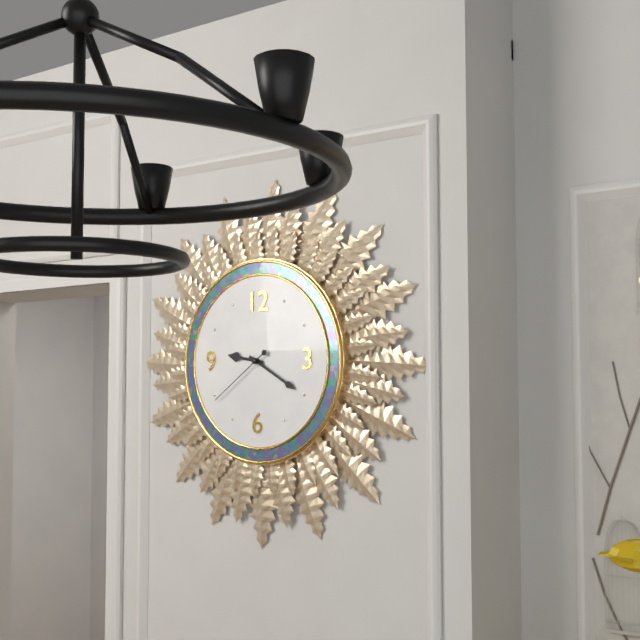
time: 9:20:39
